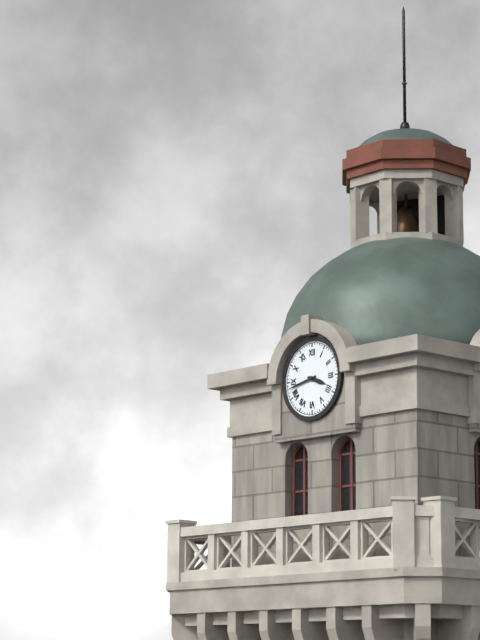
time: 3:43
